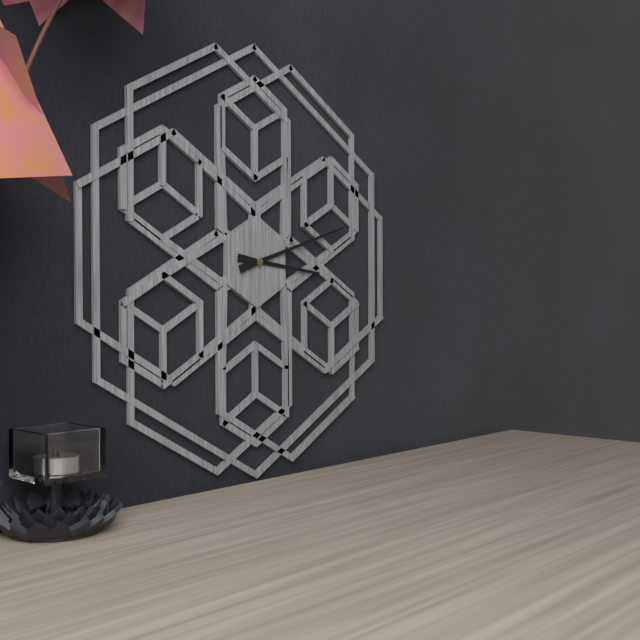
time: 3:12
